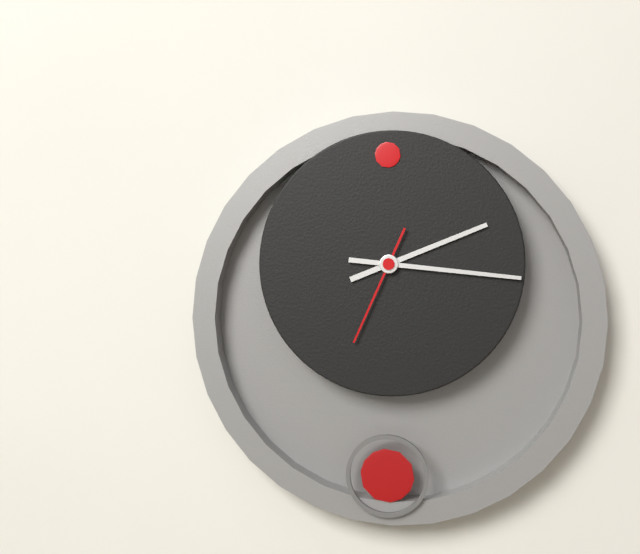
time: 2:16:34
